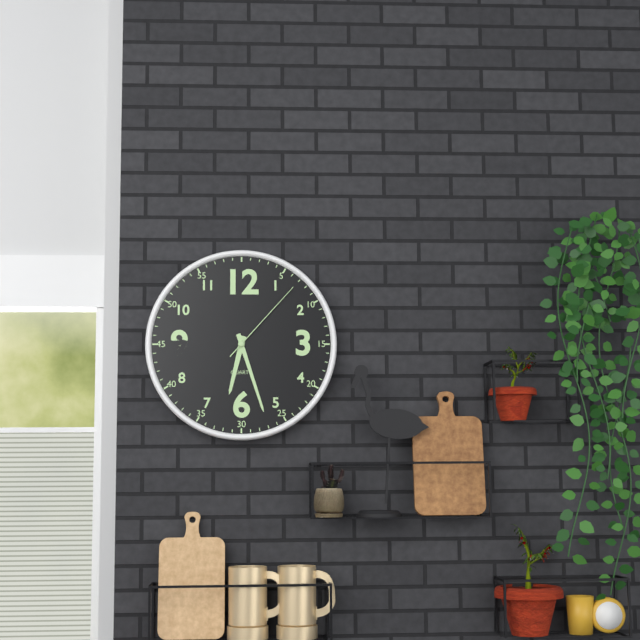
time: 6:27:07
